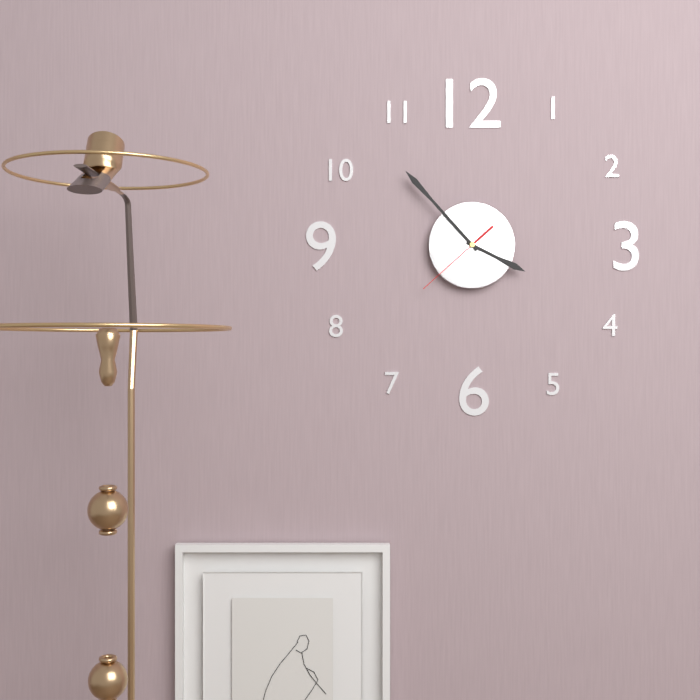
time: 3:53:38
